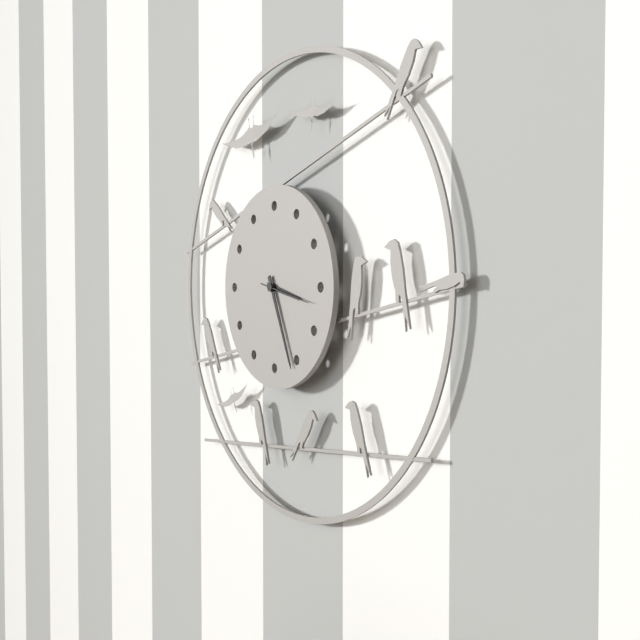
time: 3:26:17
